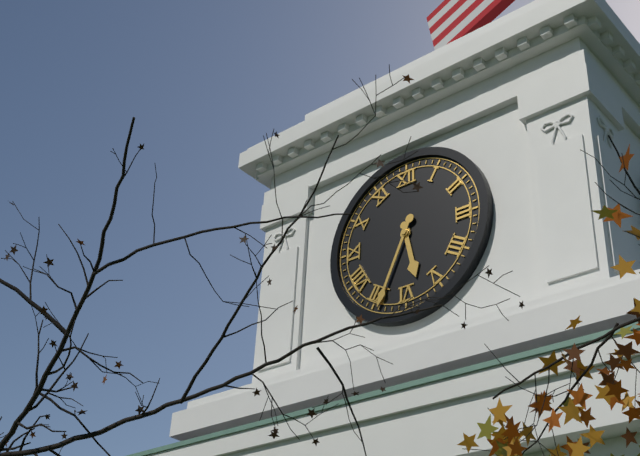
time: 5:34
